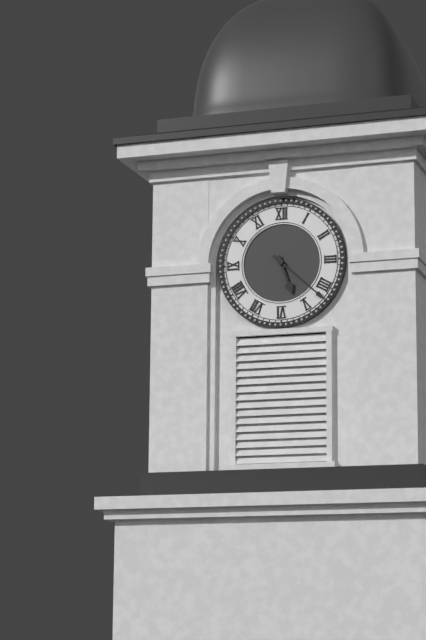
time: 5:22
